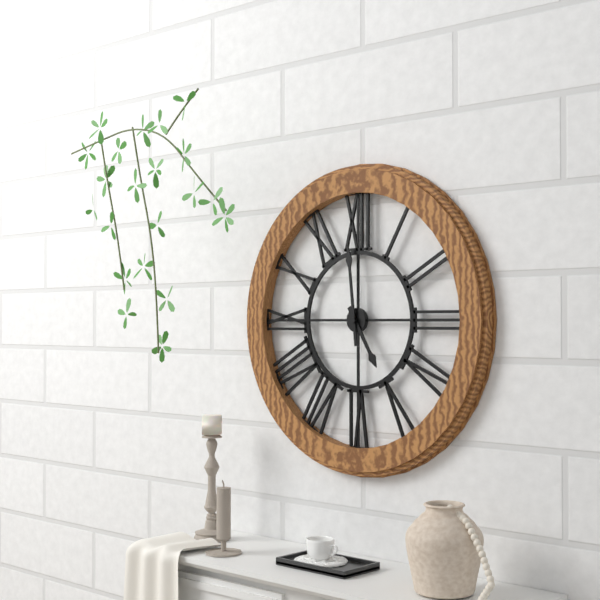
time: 4:59
